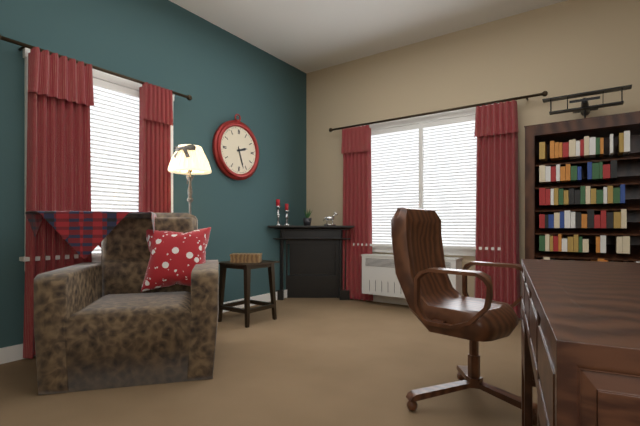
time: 2:27
